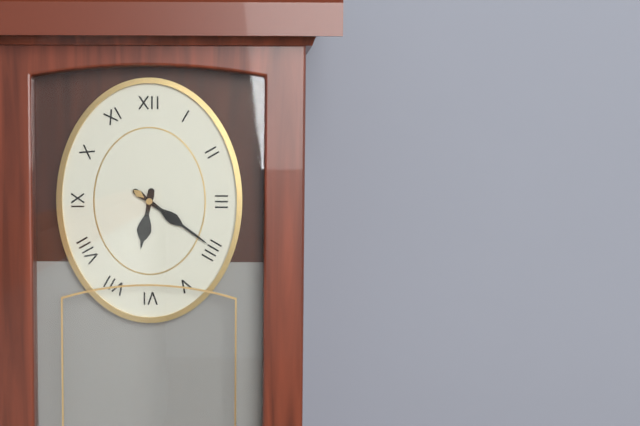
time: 6:21
